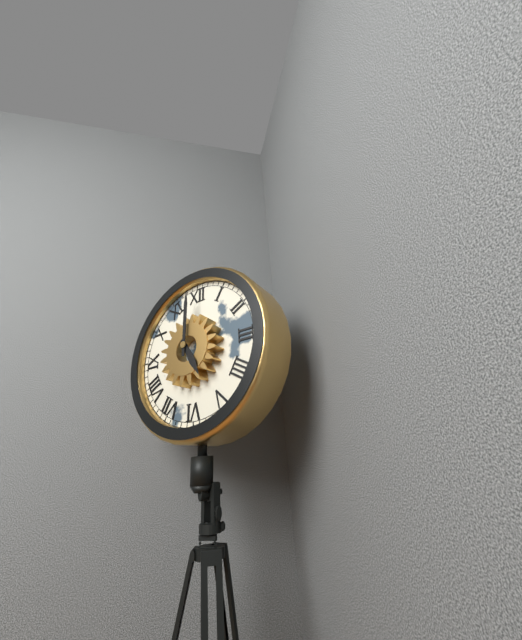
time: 5:00
